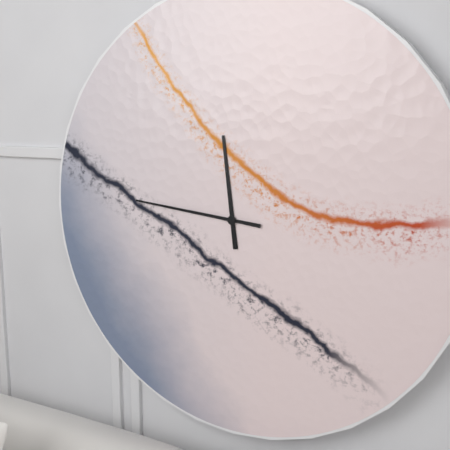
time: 11:46
